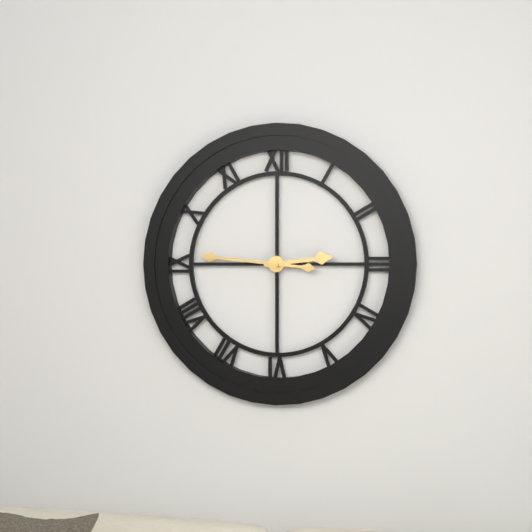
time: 2:46
